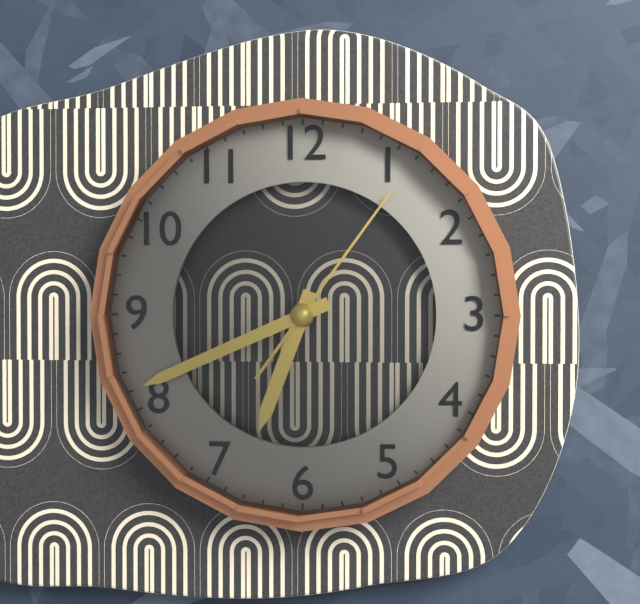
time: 6:41:06
